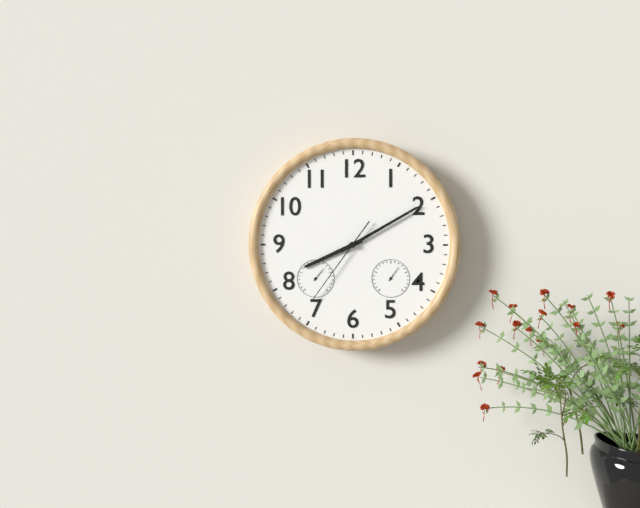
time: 8:10:36
